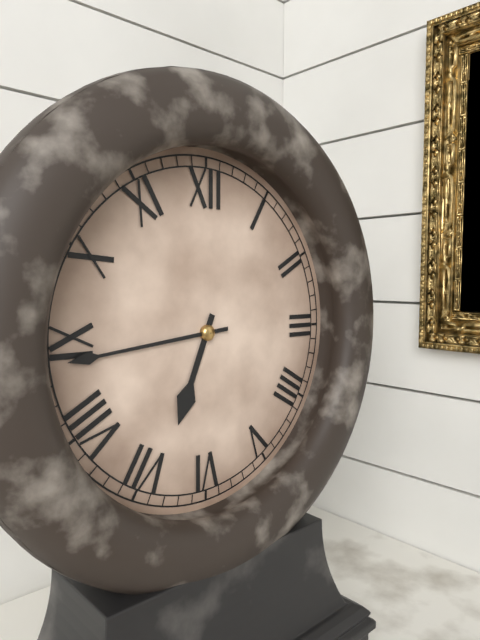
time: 6:44
